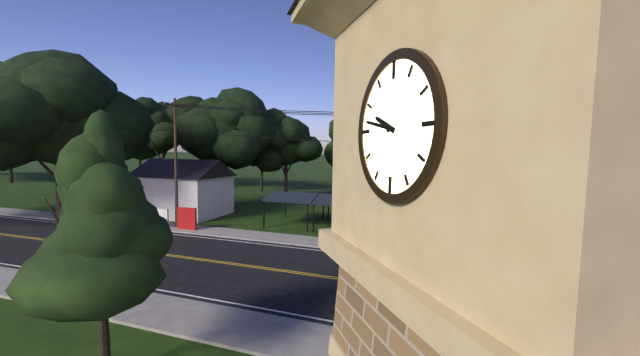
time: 9:47
